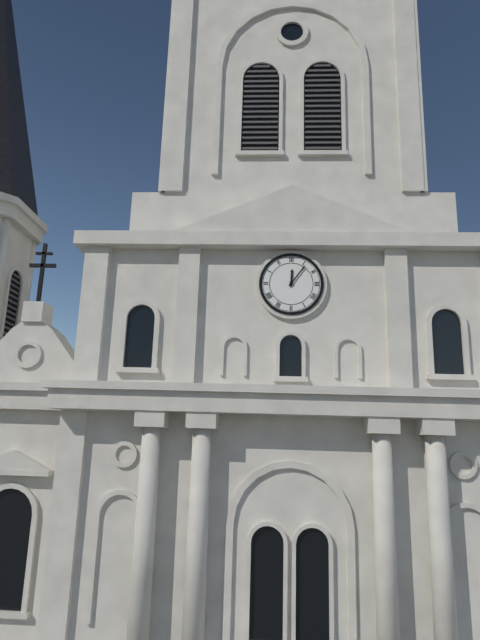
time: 12:06
